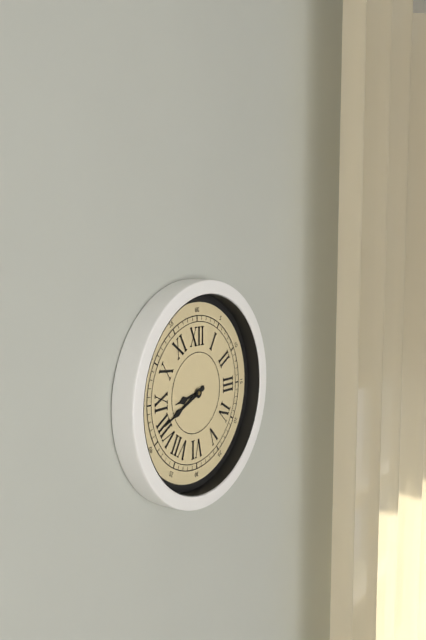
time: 8:41
